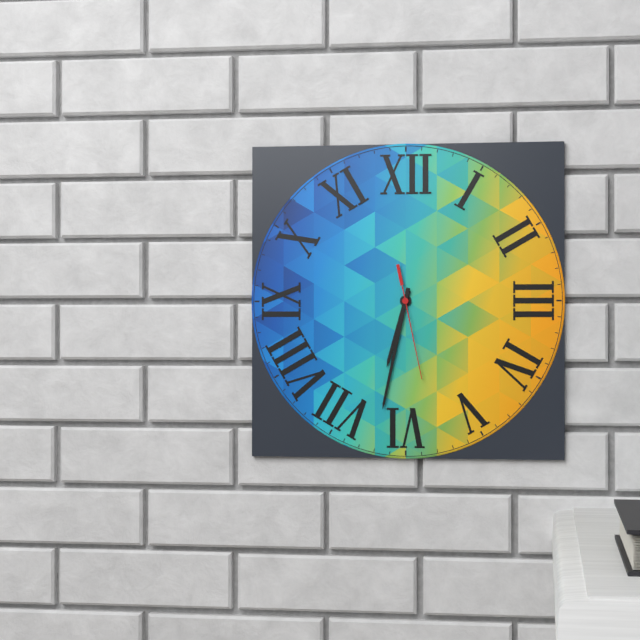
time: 6:32:28
